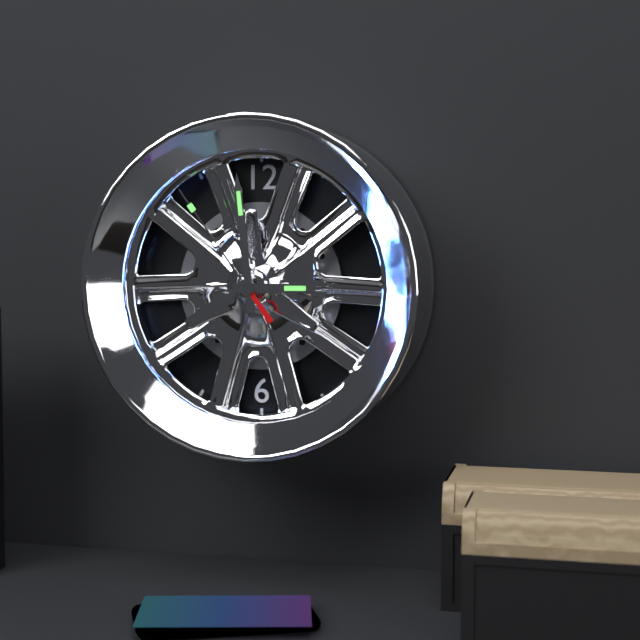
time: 2:59:54
